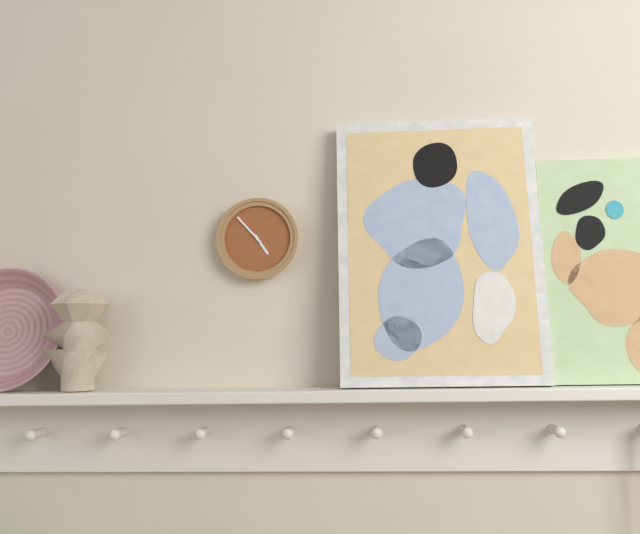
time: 4:53
